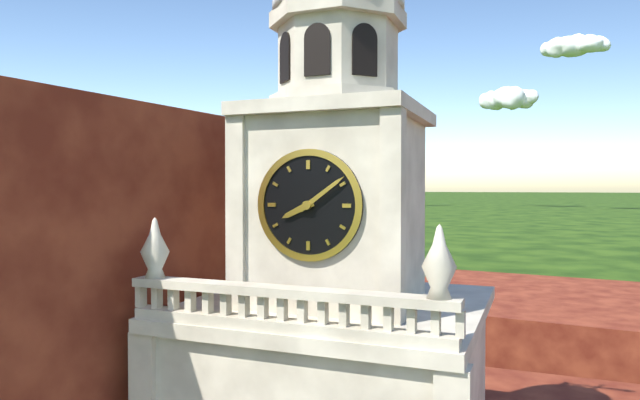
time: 8:09
